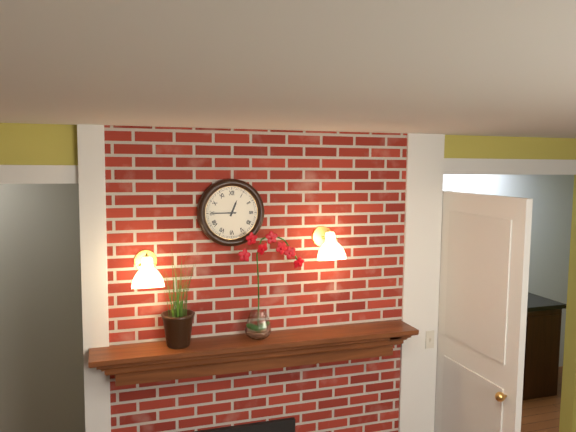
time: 12:45
